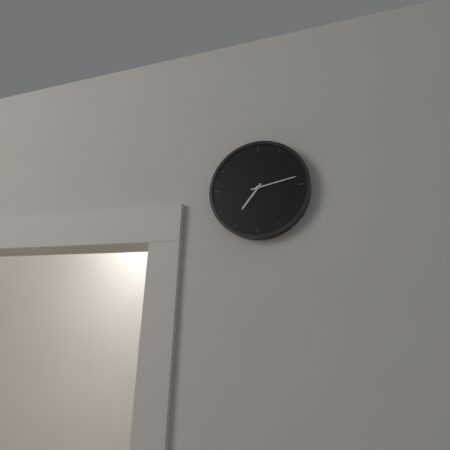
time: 7:13
